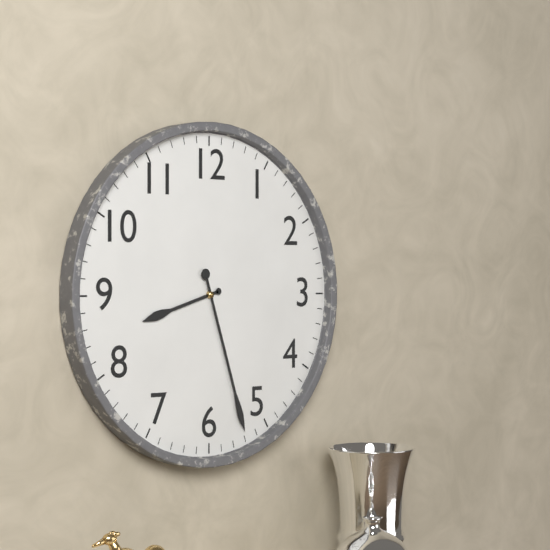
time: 8:27
